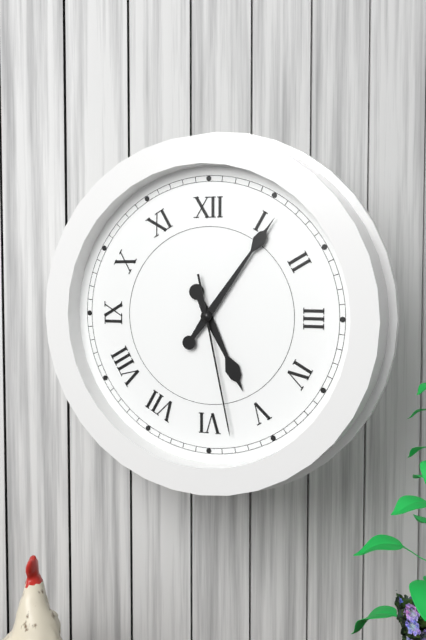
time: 5:06:28
